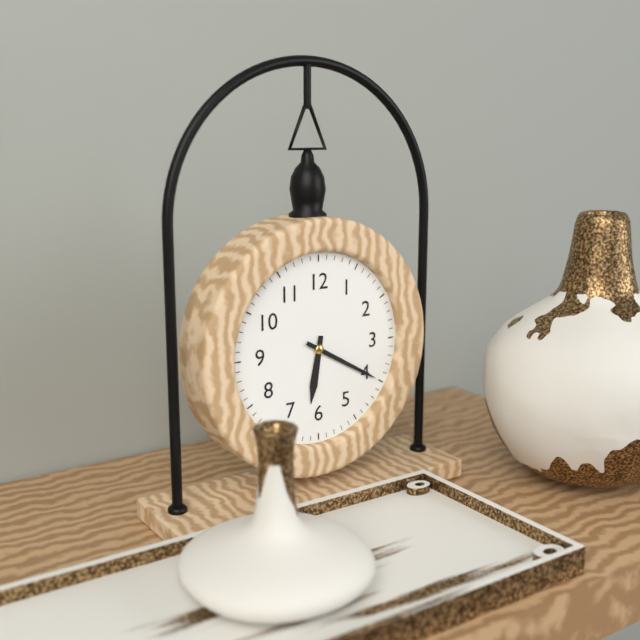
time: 6:20
